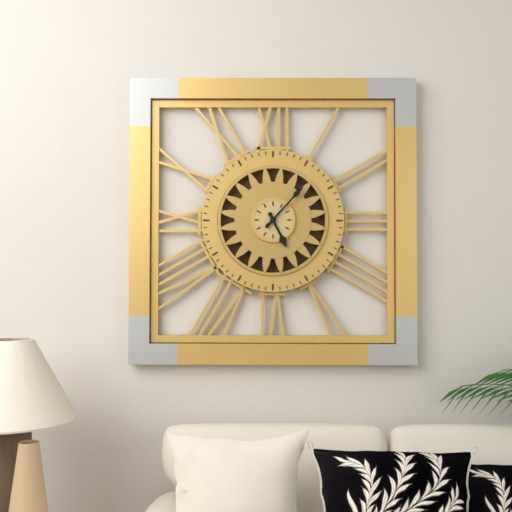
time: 5:07
